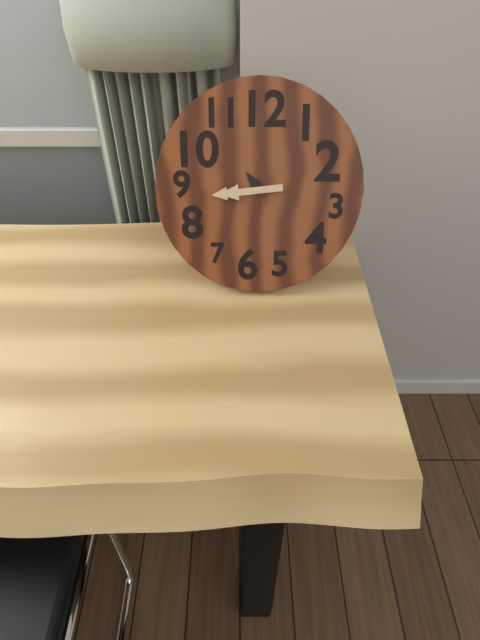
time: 10:44
